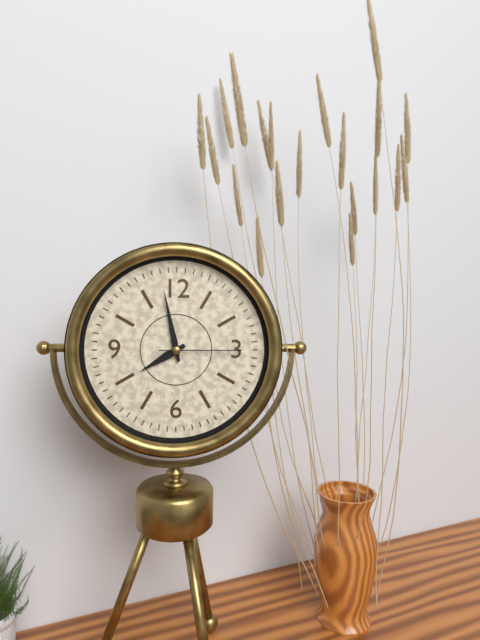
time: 7:58:15
